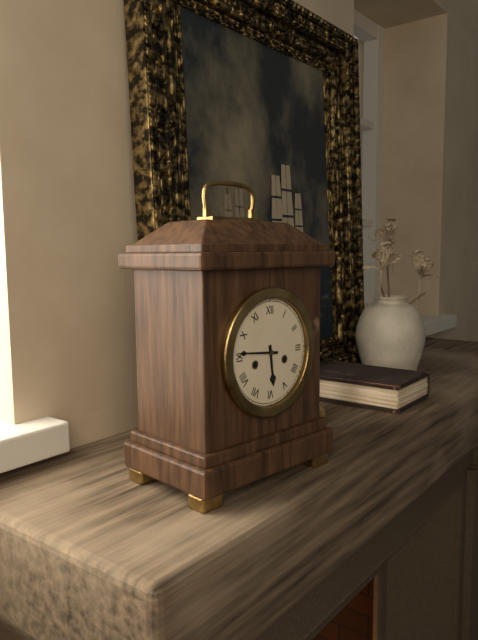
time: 5:46
